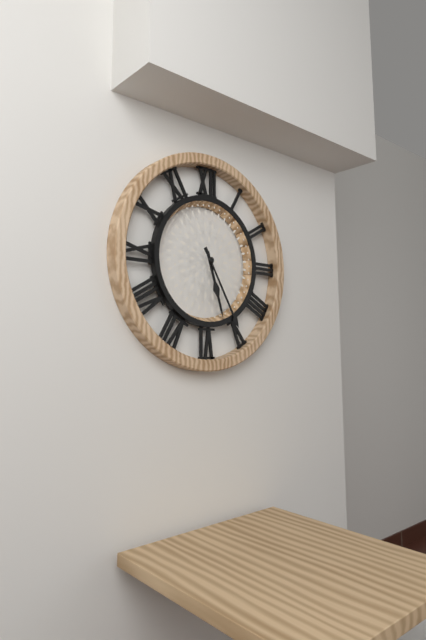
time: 5:25
